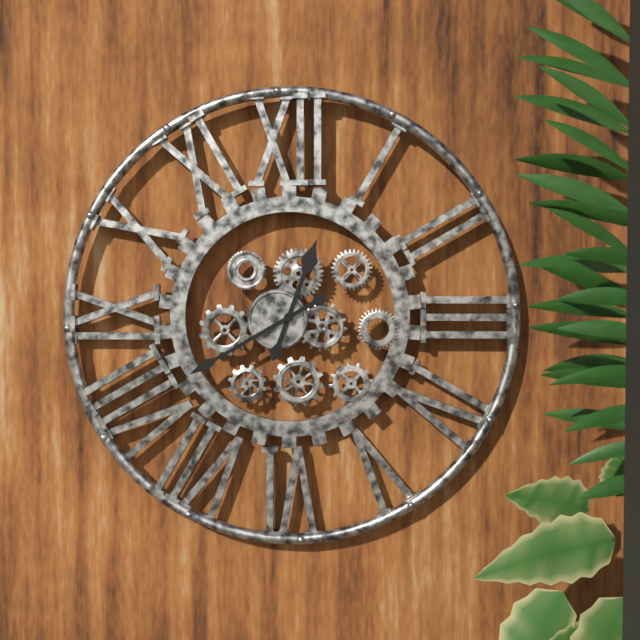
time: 12:40
